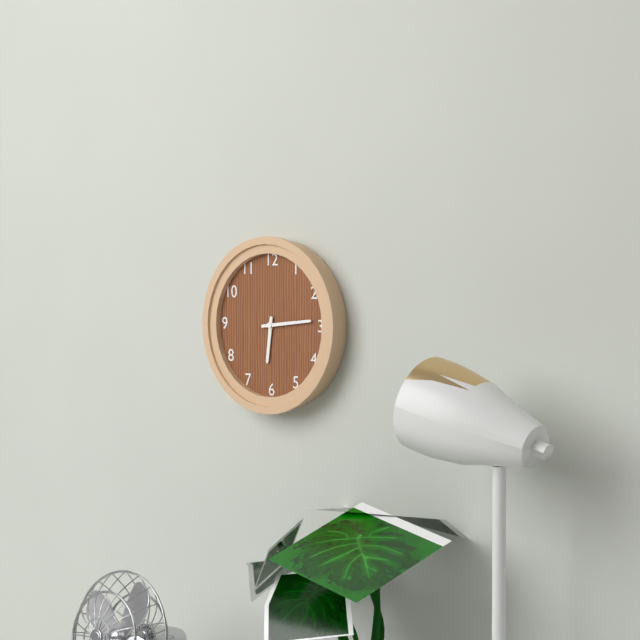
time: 6:14
